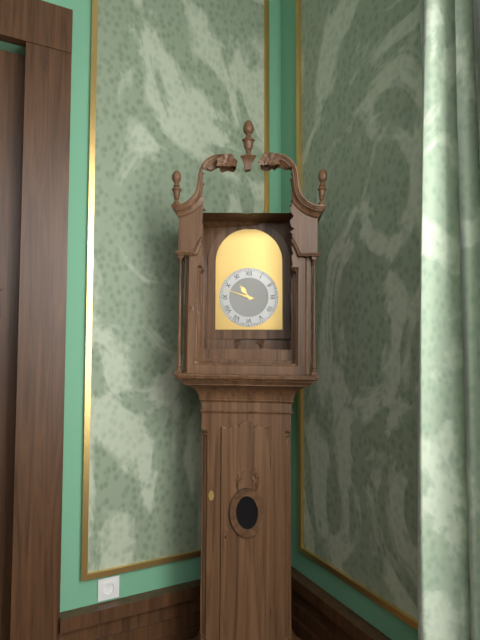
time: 10:48
